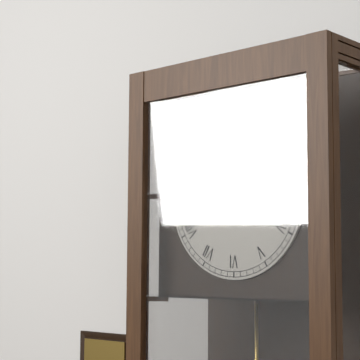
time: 11:19
